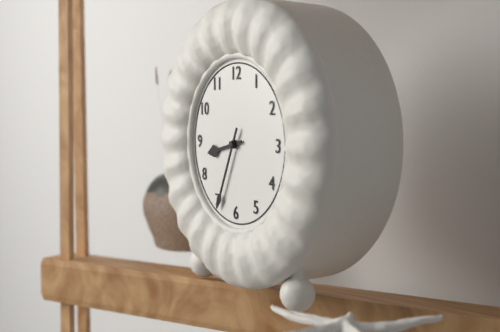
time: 8:34
